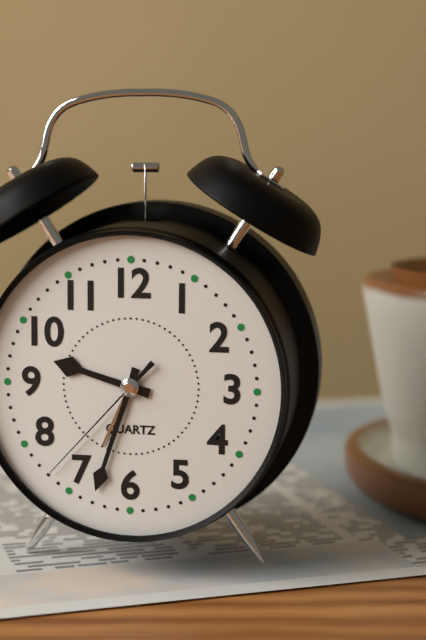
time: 9:33:37
